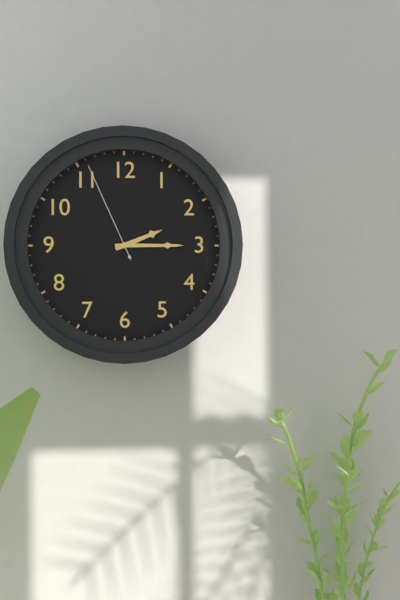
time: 2:15:56
